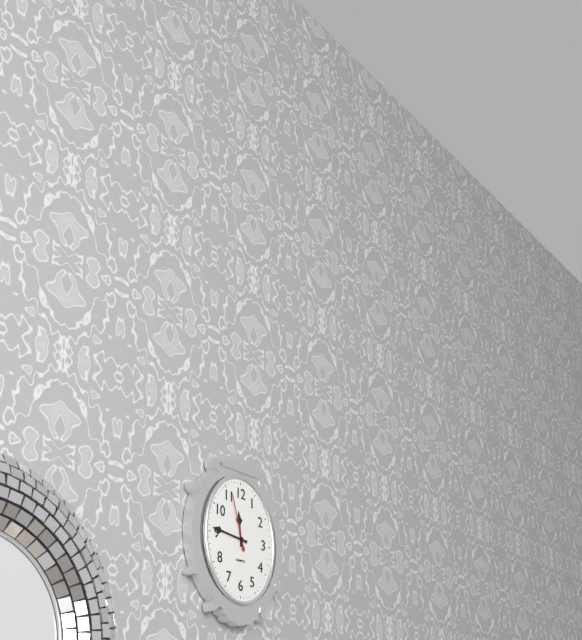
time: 11:46:57
